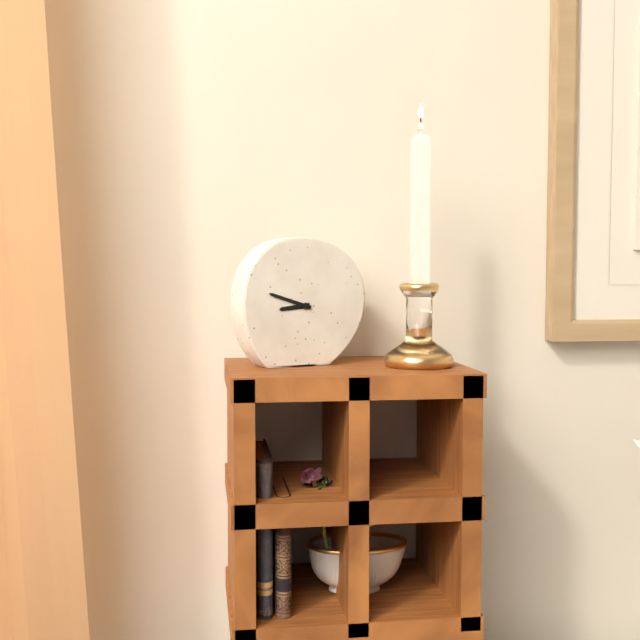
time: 8:48
